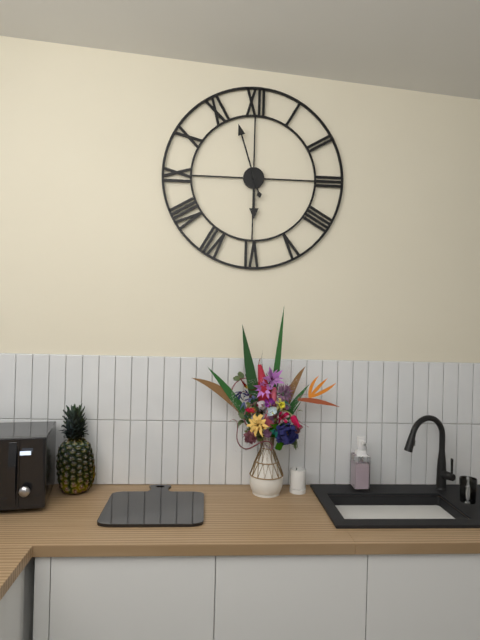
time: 5:57
